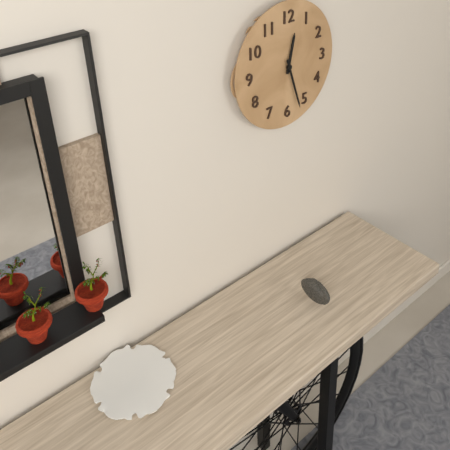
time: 12:27
